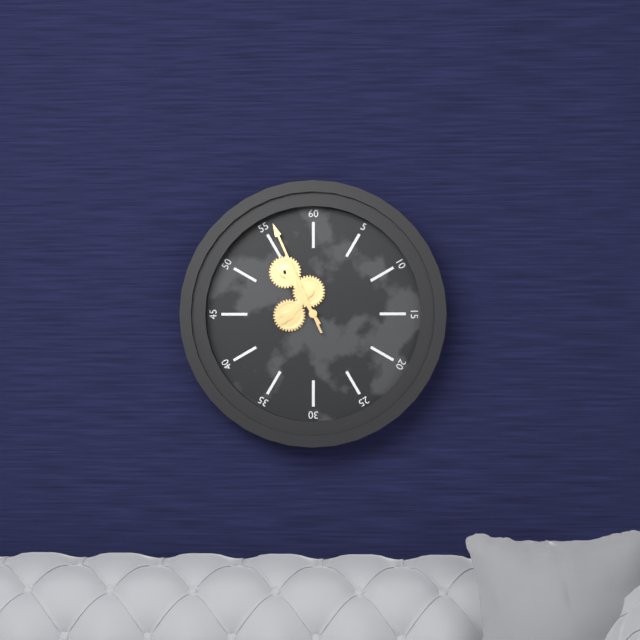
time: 10:56
